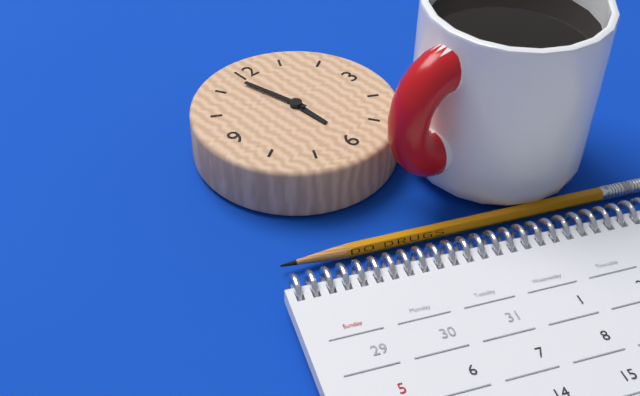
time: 5:58
